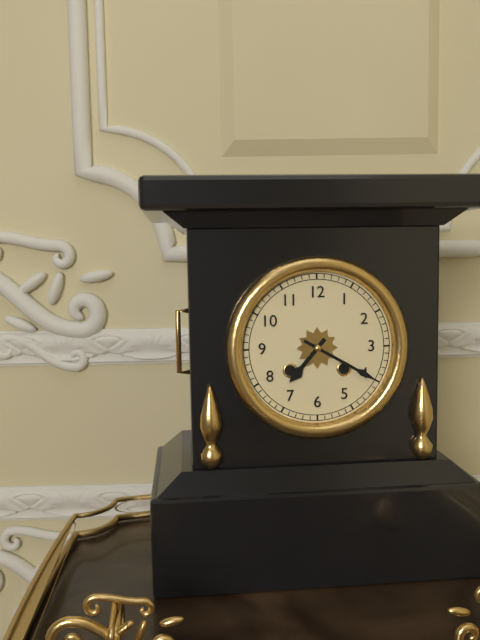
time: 7:20
